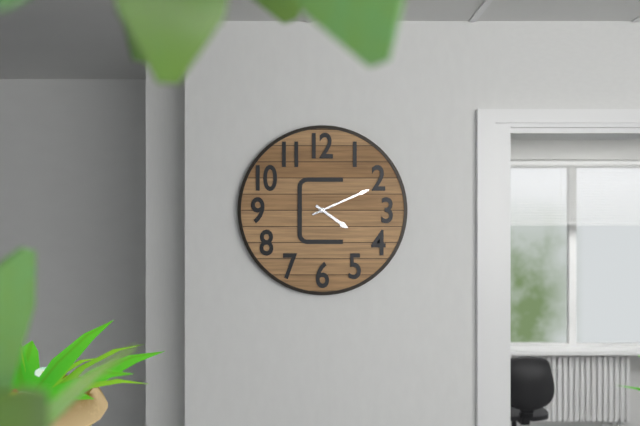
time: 4:11
